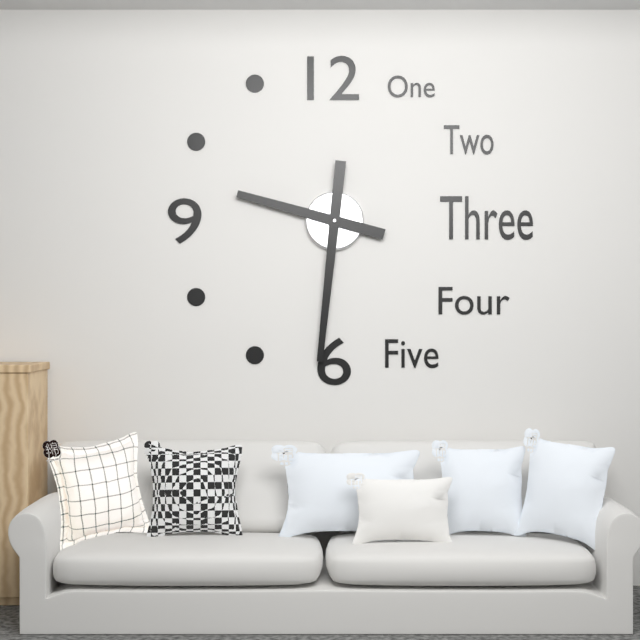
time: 9:31
